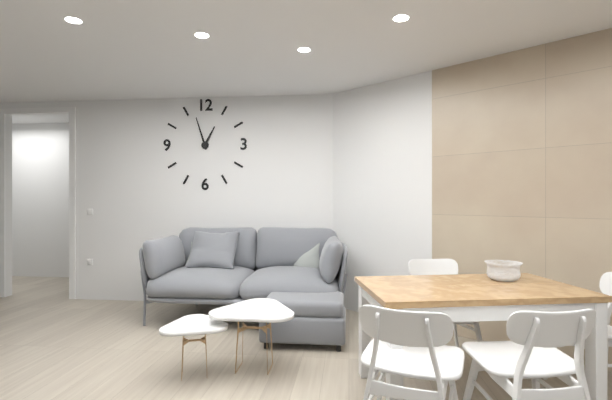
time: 12:57
